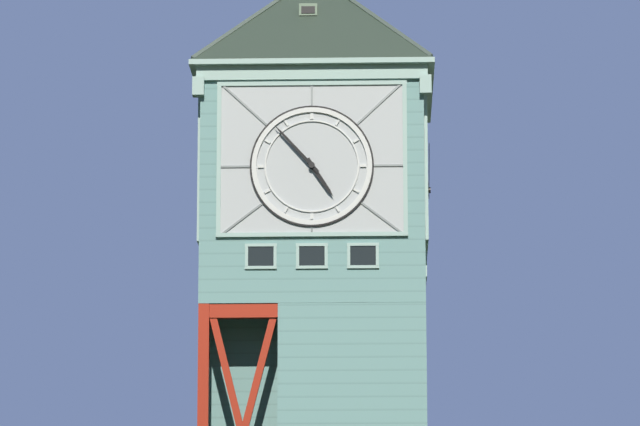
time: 4:53
